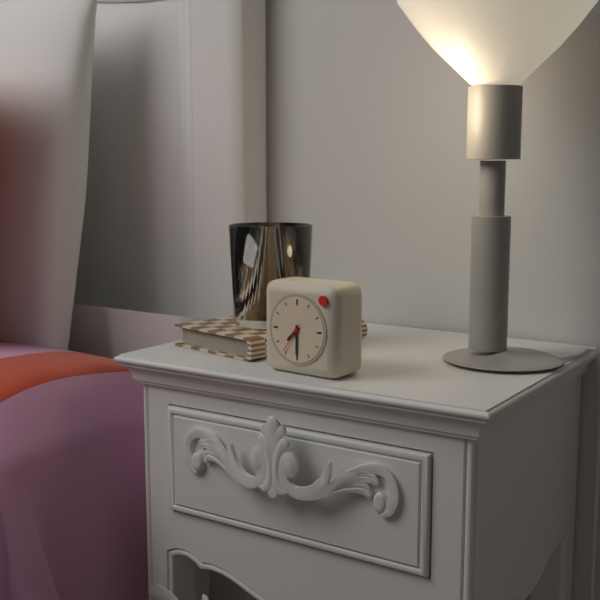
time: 7:30
